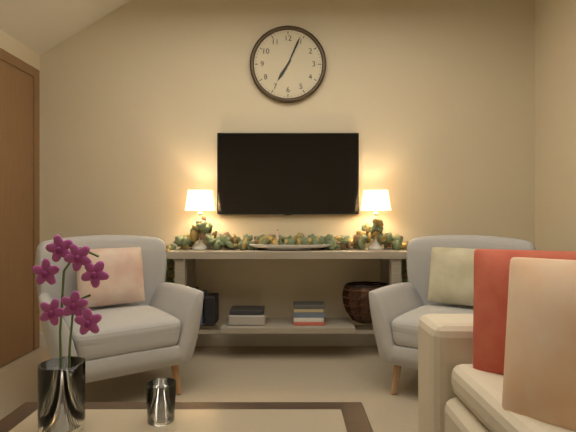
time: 7:04
